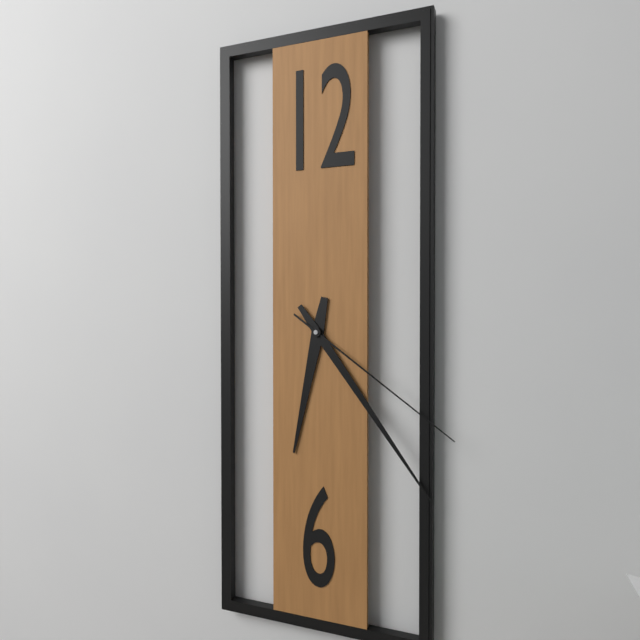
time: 6:24:21
